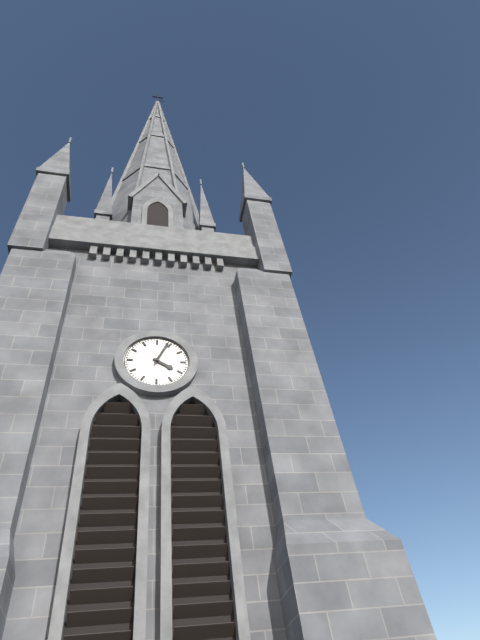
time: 4:04
